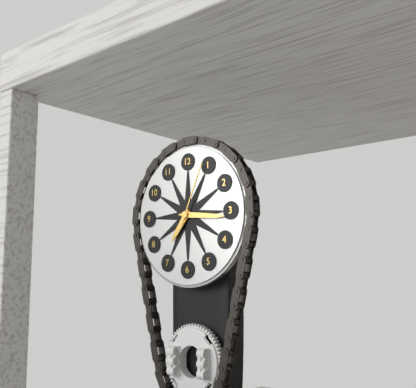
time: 7:16:04
